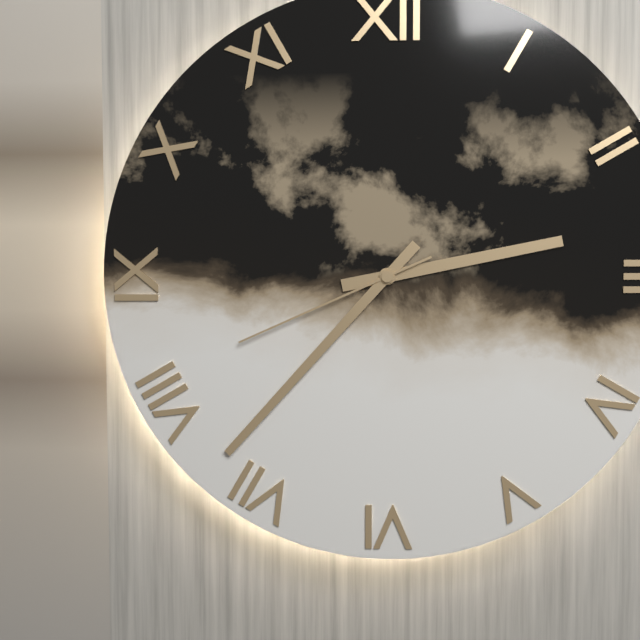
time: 2:37:41
